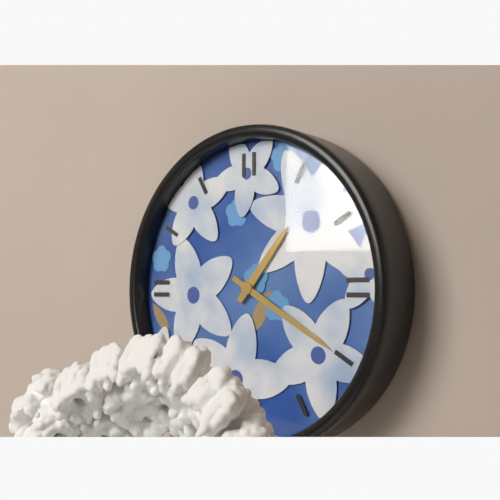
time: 1:20
